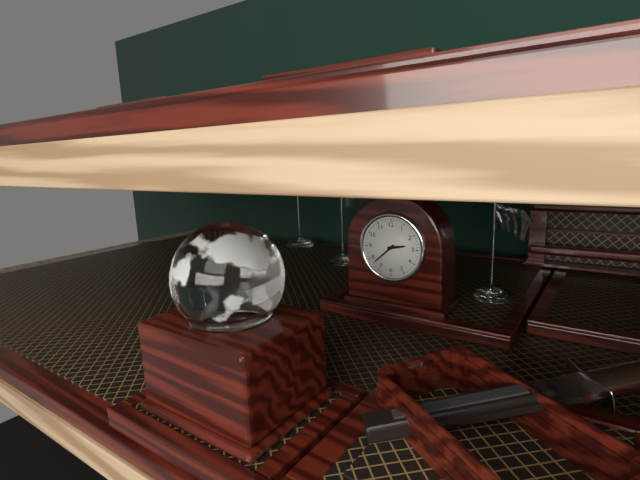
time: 2:38
